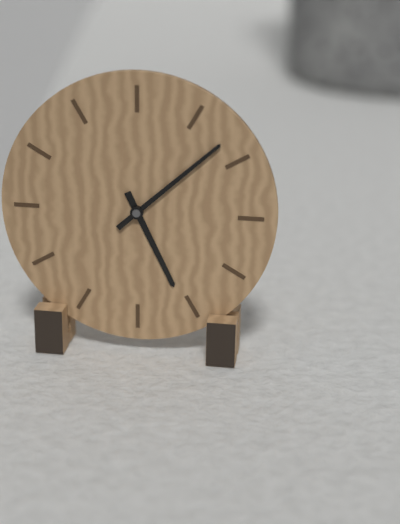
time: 5:08
